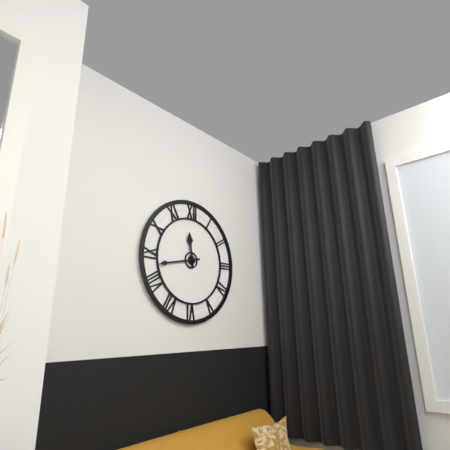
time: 11:43
